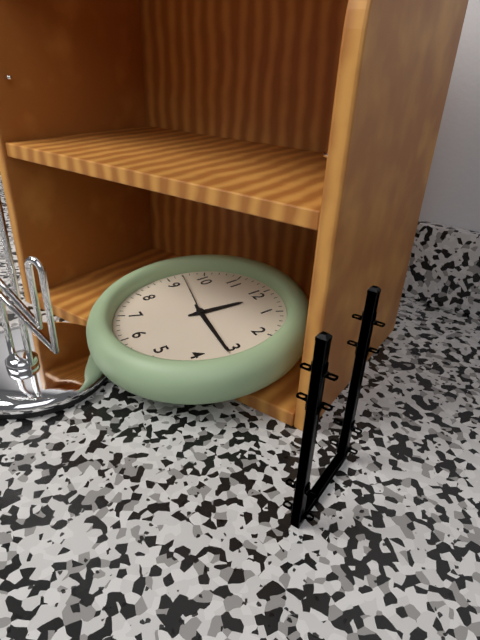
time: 12:16:47
